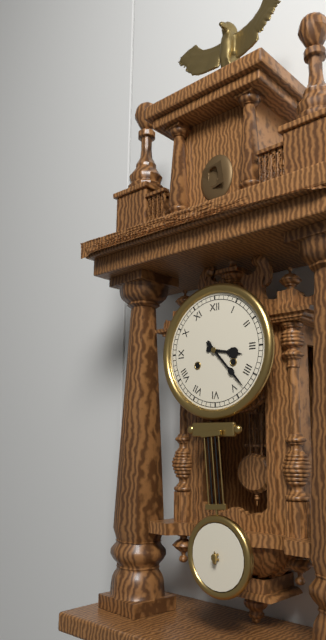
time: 3:23
